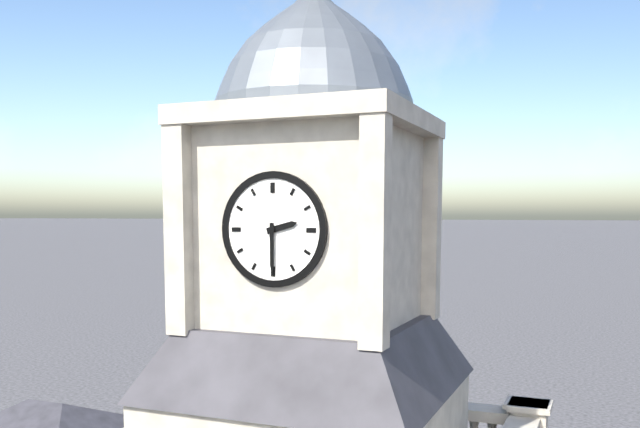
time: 2:30
